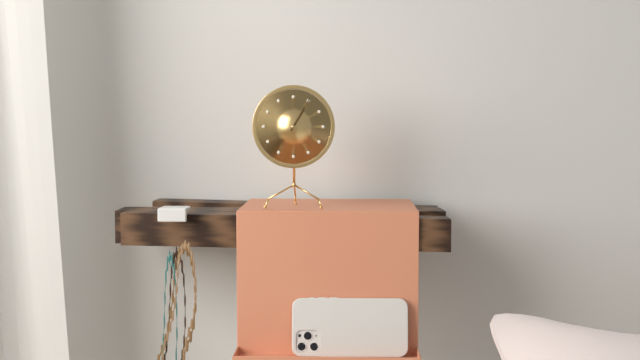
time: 1:05
